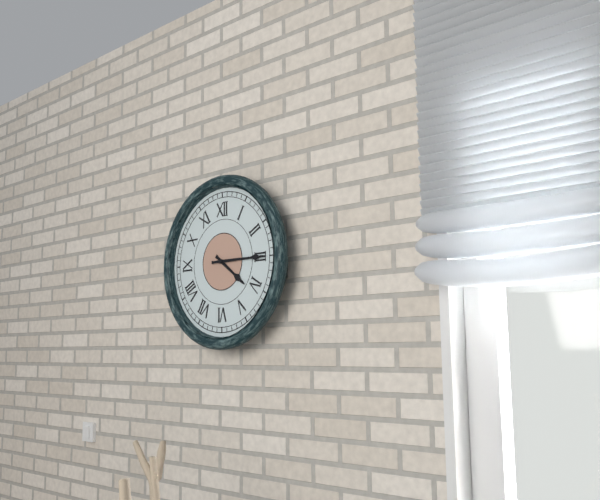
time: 4:15
